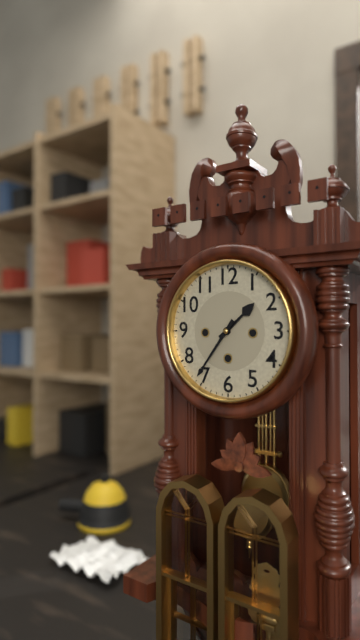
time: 1:36
